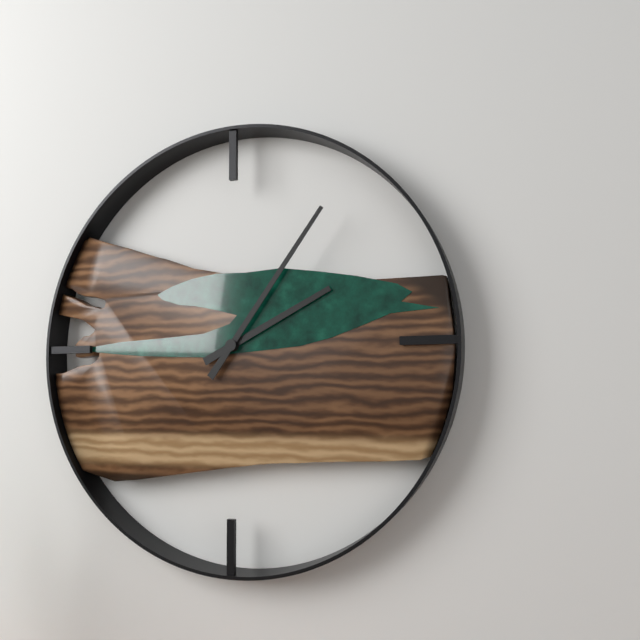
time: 2:06
